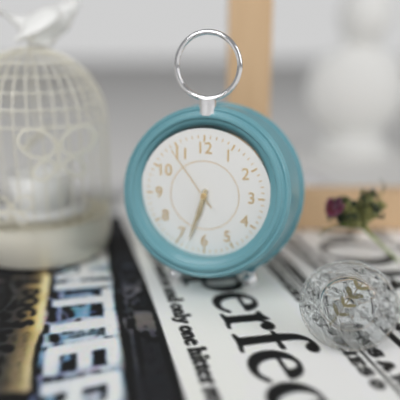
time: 6:33:54
